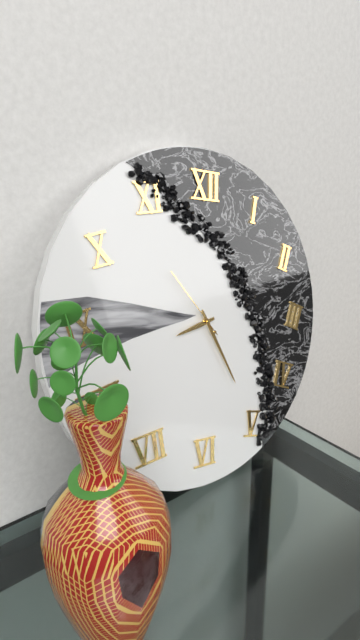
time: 8:25:53
